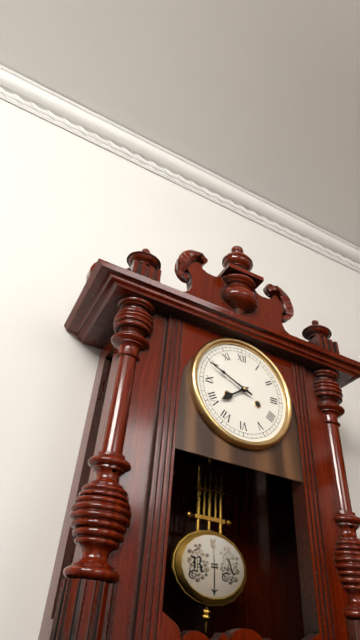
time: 7:49
